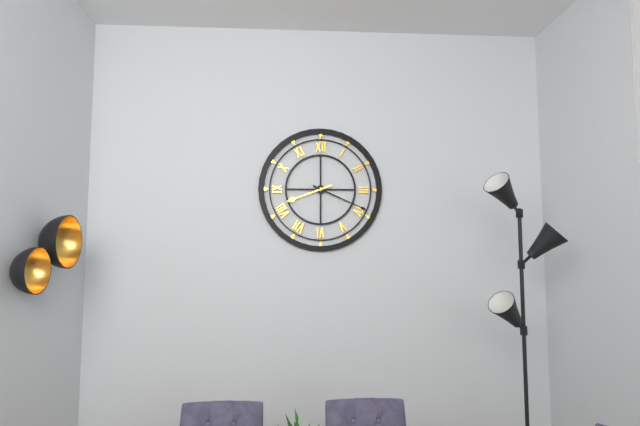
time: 8:19
